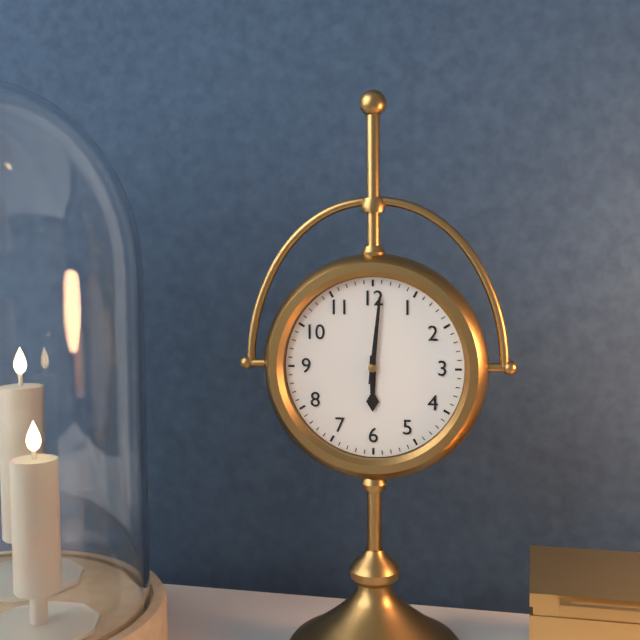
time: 6:01
